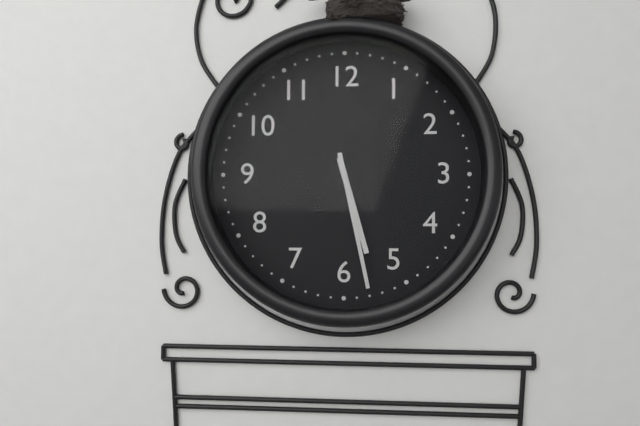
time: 5:28
